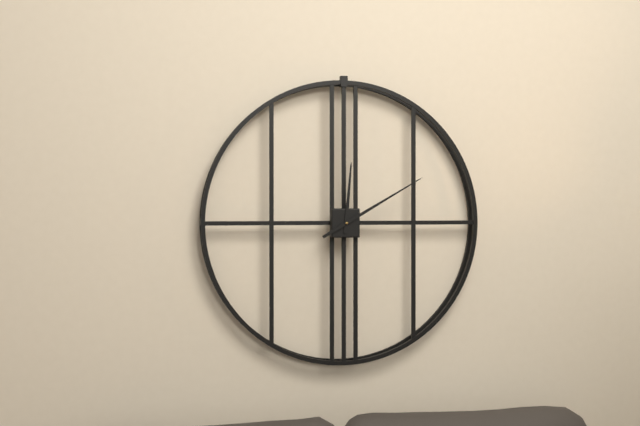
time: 12:10
